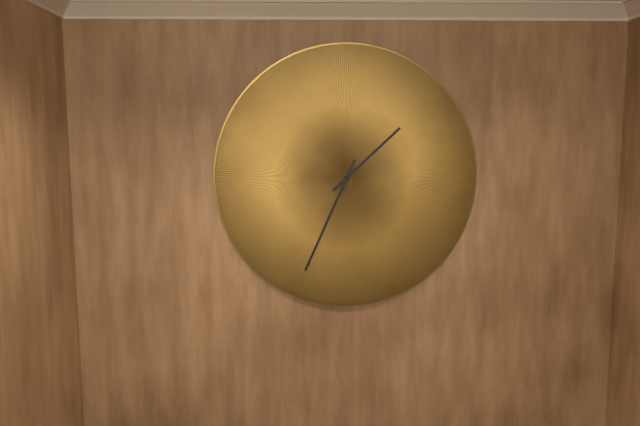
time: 1:34
